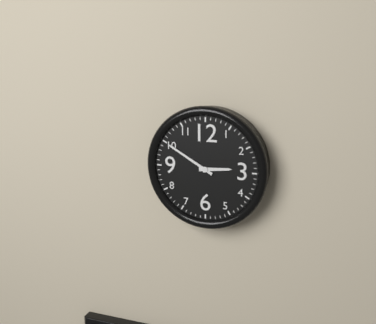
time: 2:50
